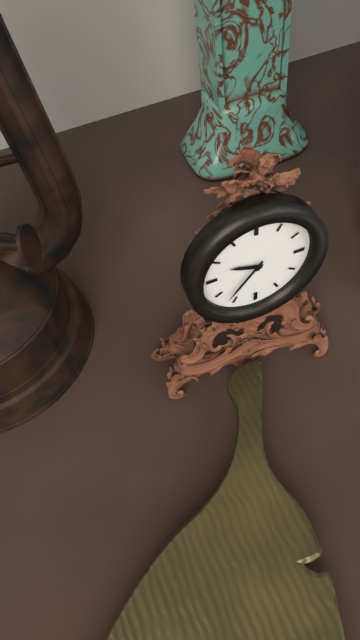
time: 9:37
